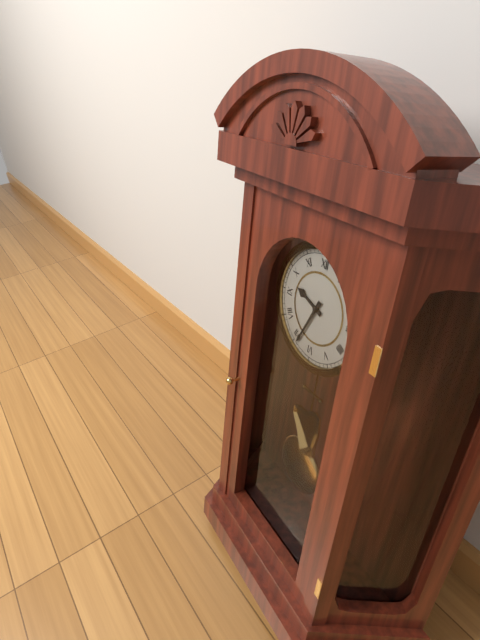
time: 9:34
